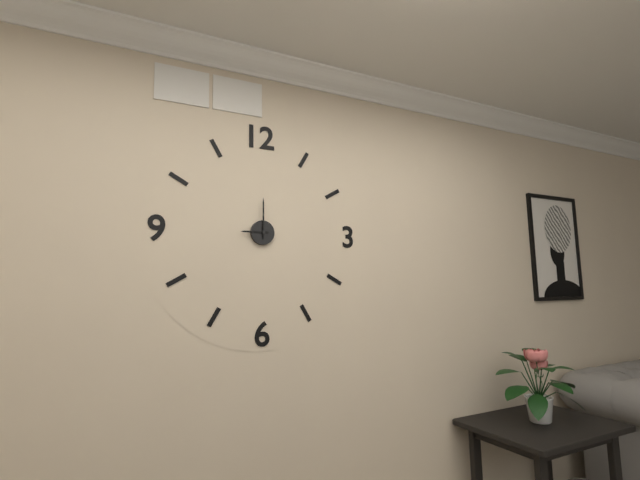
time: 9:00
